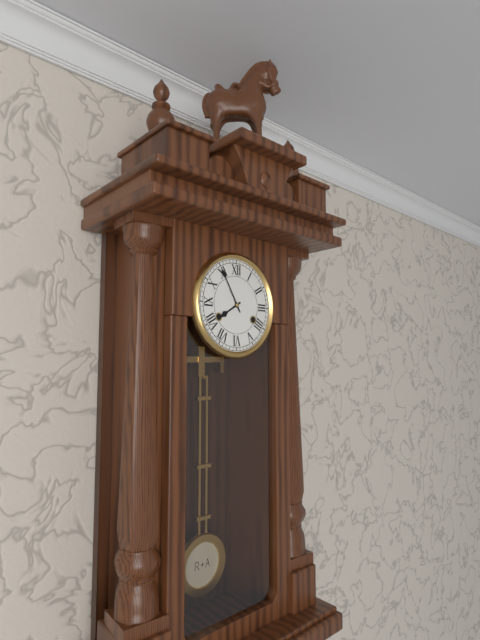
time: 7:55
